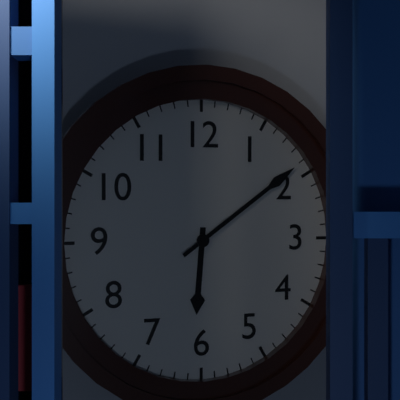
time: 6:09
